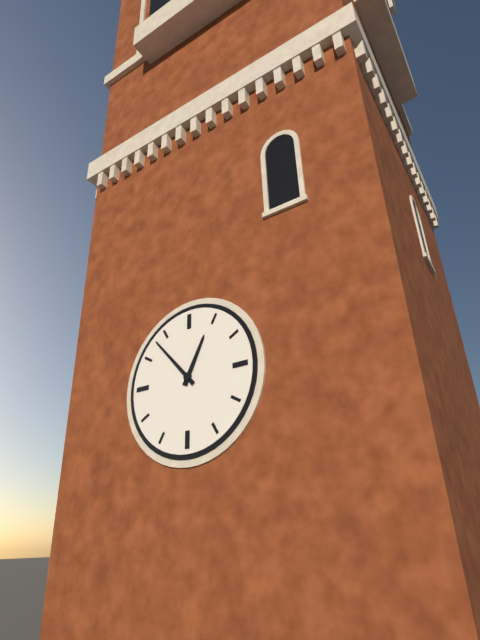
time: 12:53
